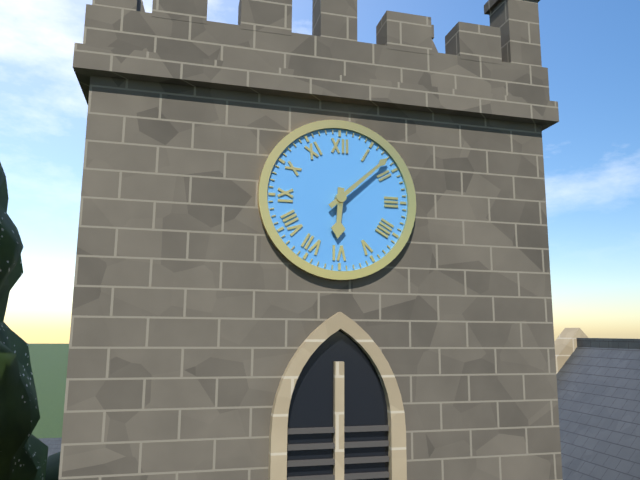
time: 6:08
